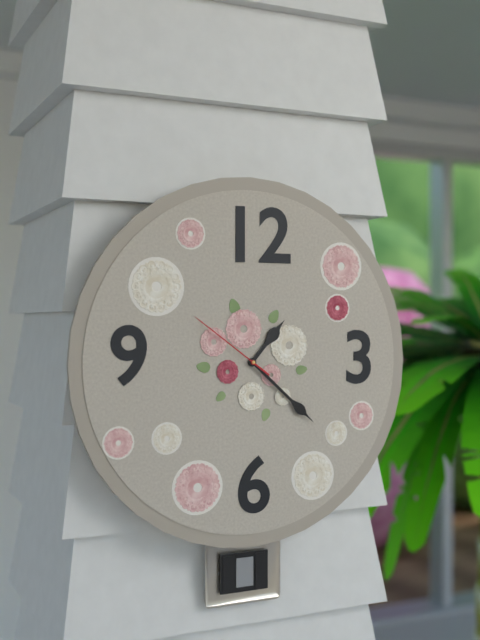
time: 1:22:51
